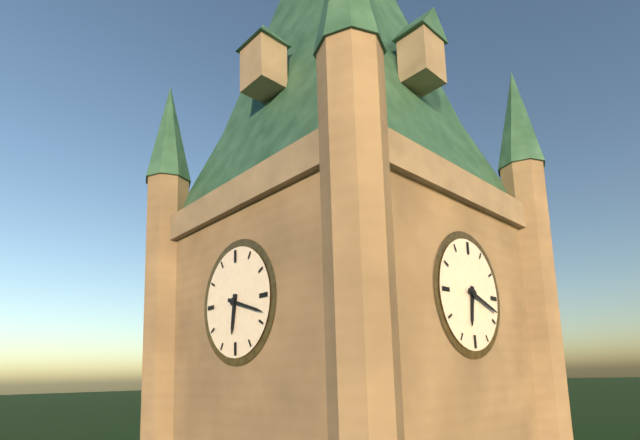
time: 6:18
